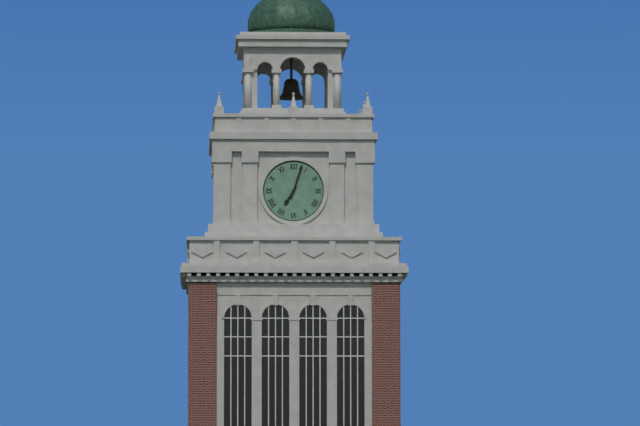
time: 7:03
